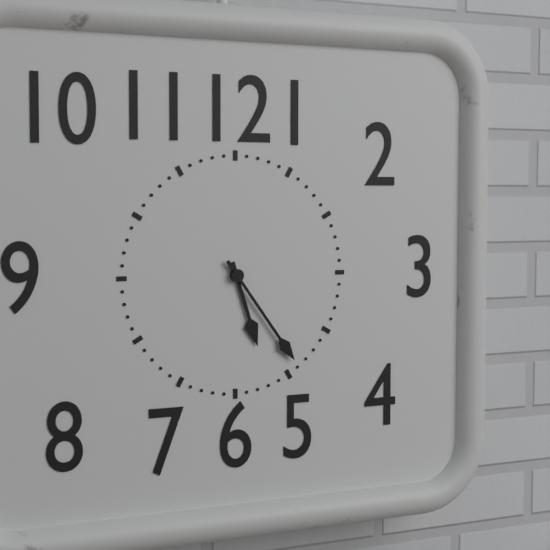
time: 5:24
